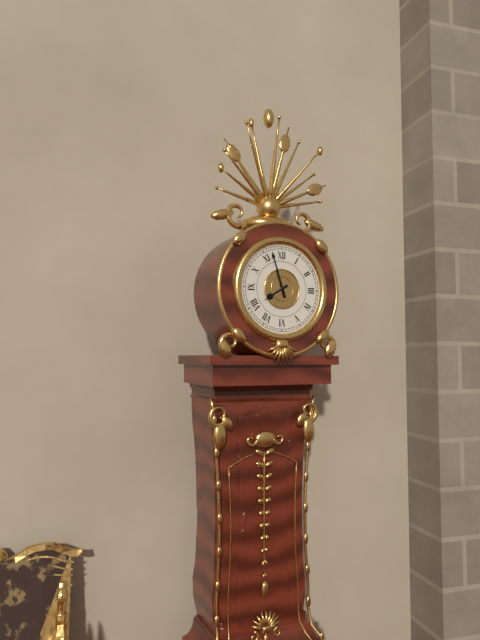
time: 7:57
